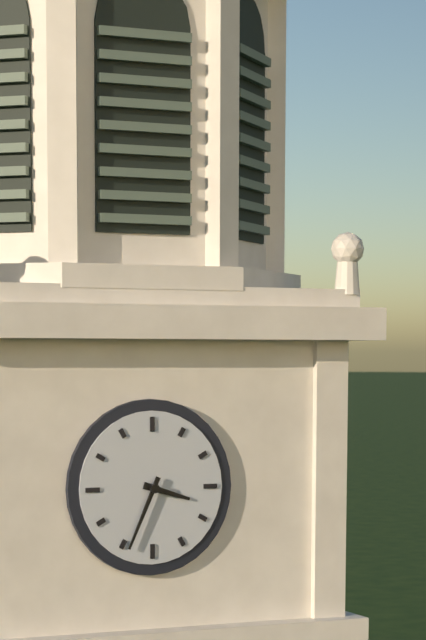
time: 3:34
